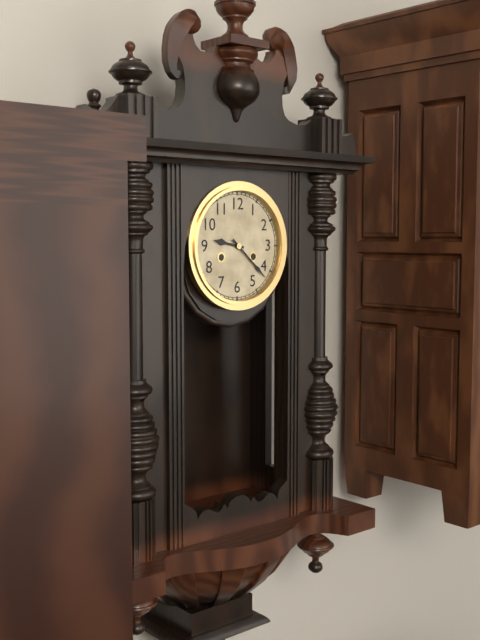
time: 9:22
